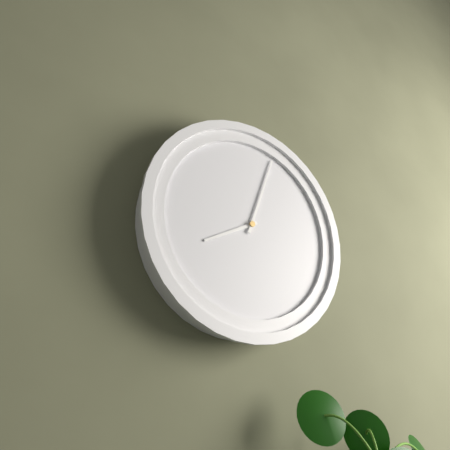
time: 8:03
